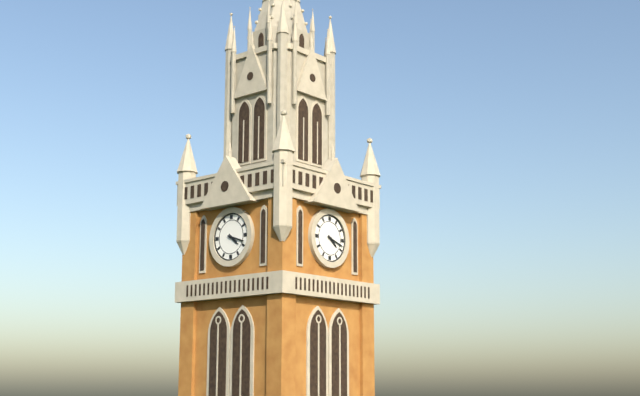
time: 4:18
